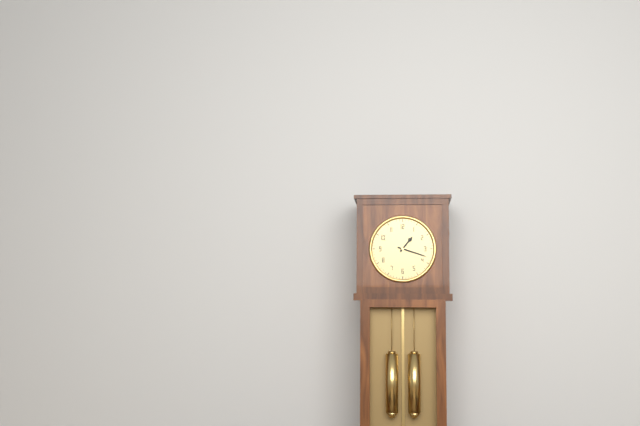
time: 1:18
